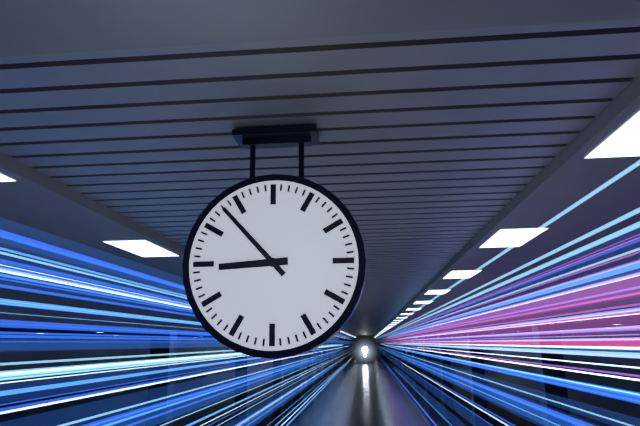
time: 8:53
